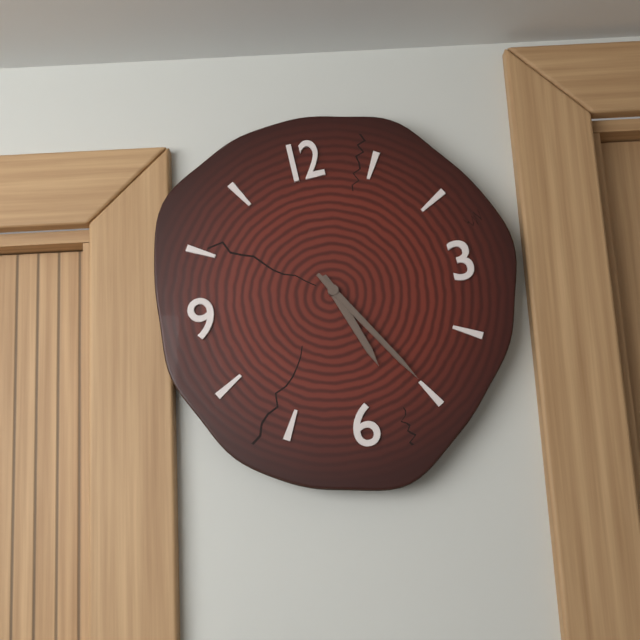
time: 5:25
